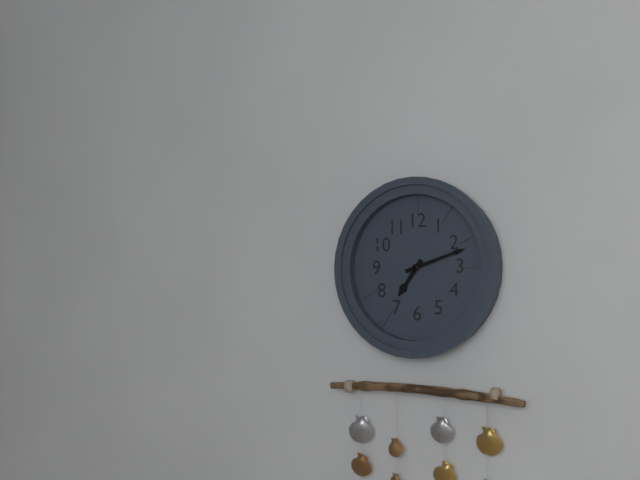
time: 7:12
